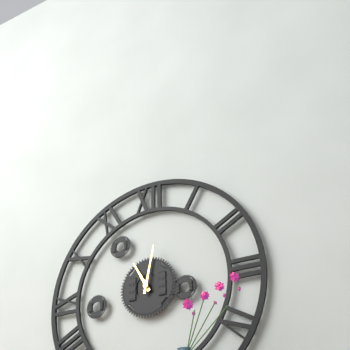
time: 11:02
